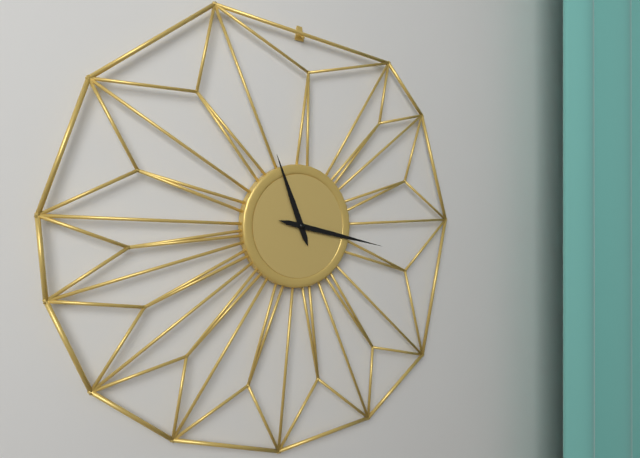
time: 11:17
